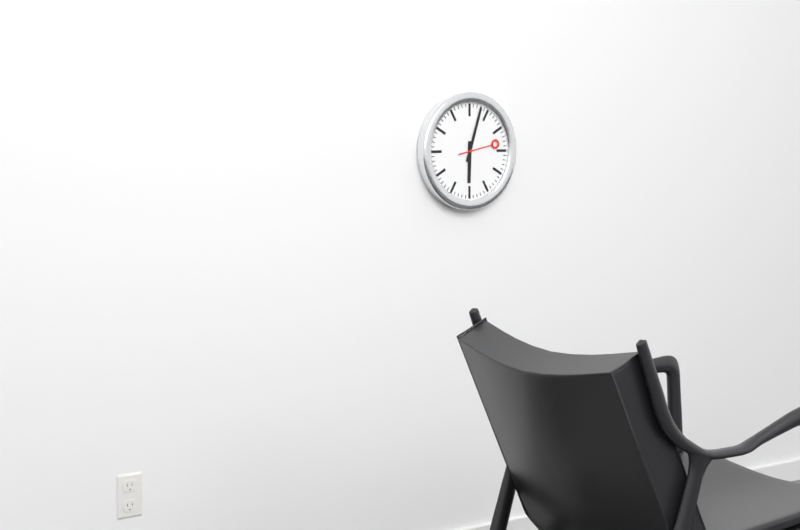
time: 6:03
